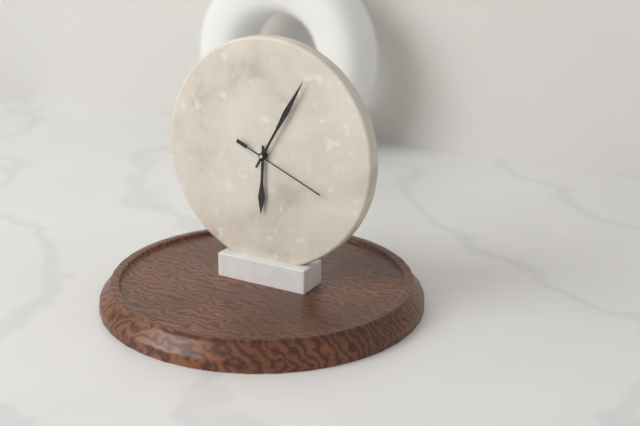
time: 6:05:19
